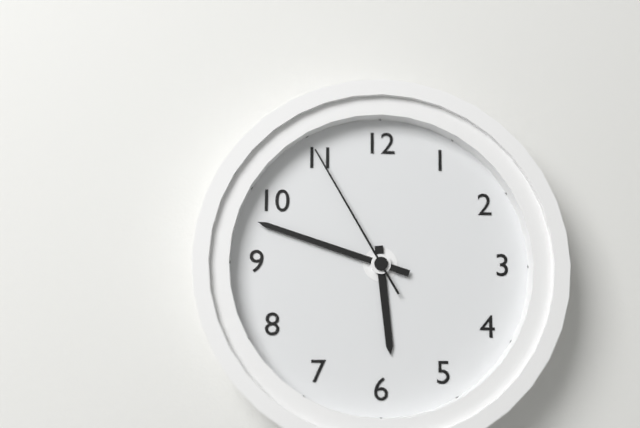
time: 5:48:55
